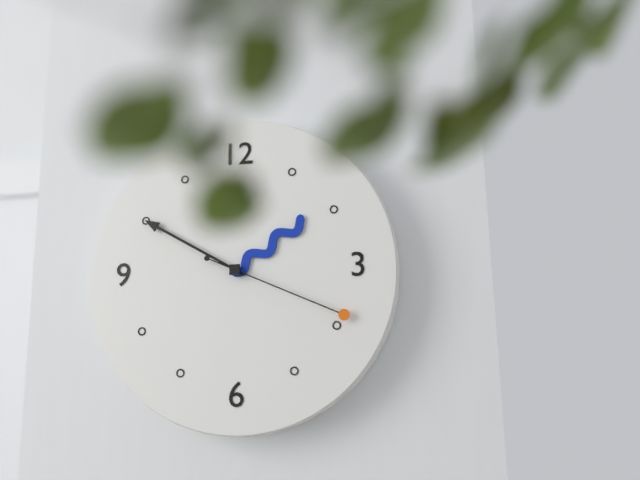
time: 1:50:19
